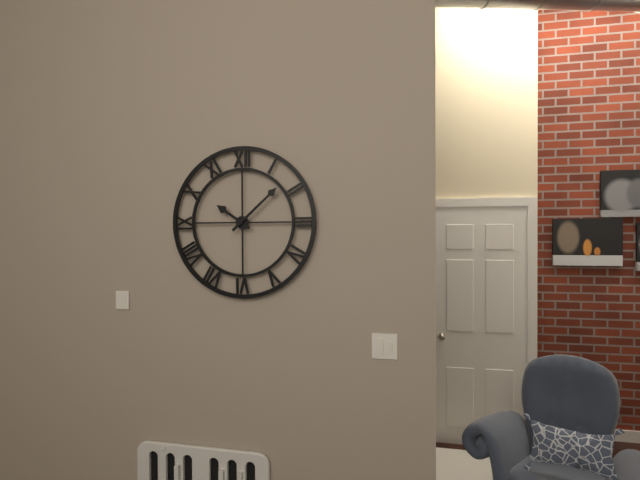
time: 10:08
